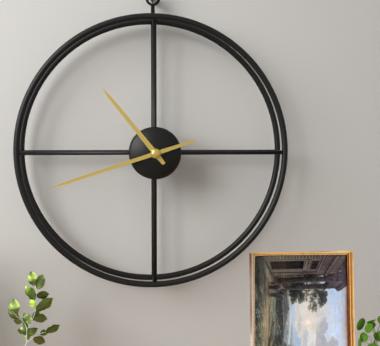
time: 10:42
